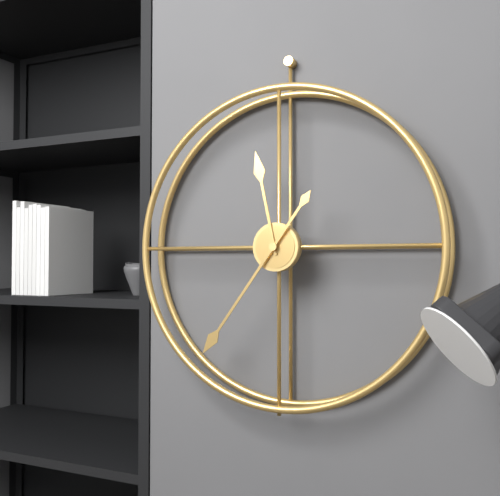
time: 11:36
